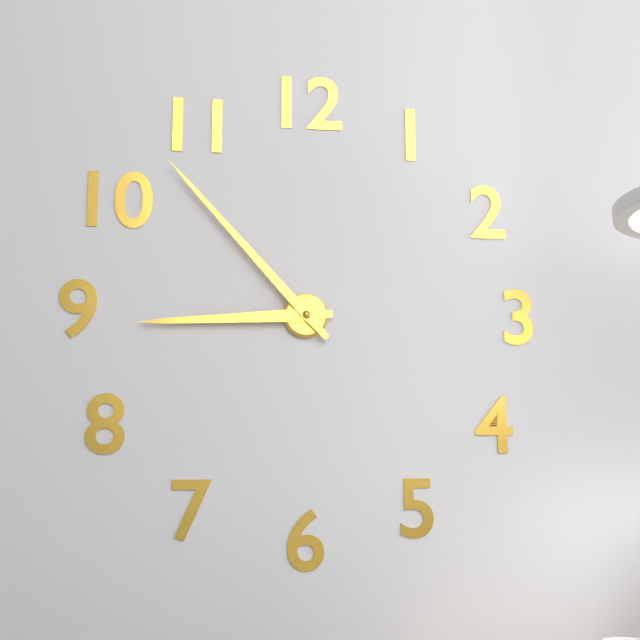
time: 8:53
